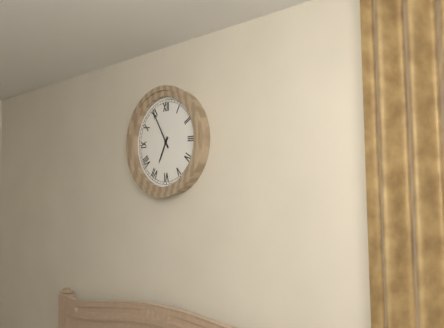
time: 6:55
